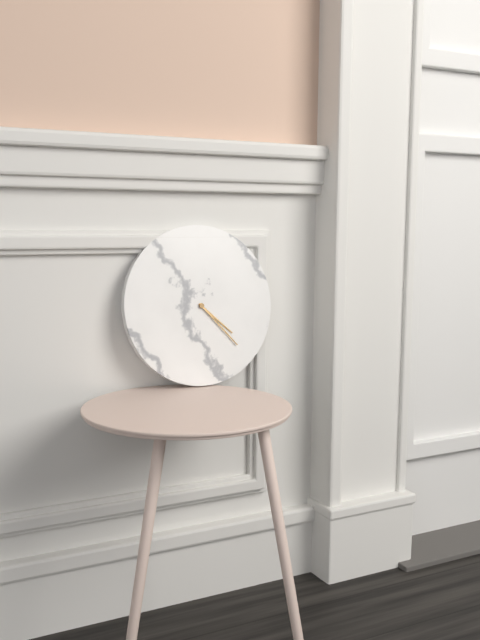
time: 4:23
